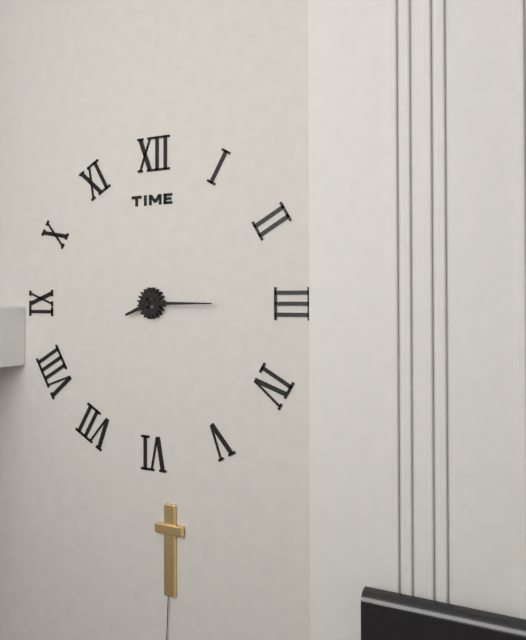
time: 8:15
